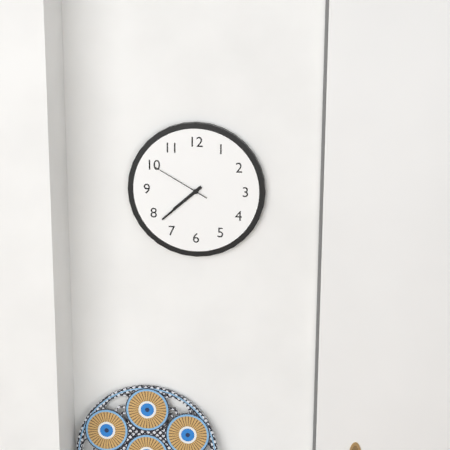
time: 7:38:50
